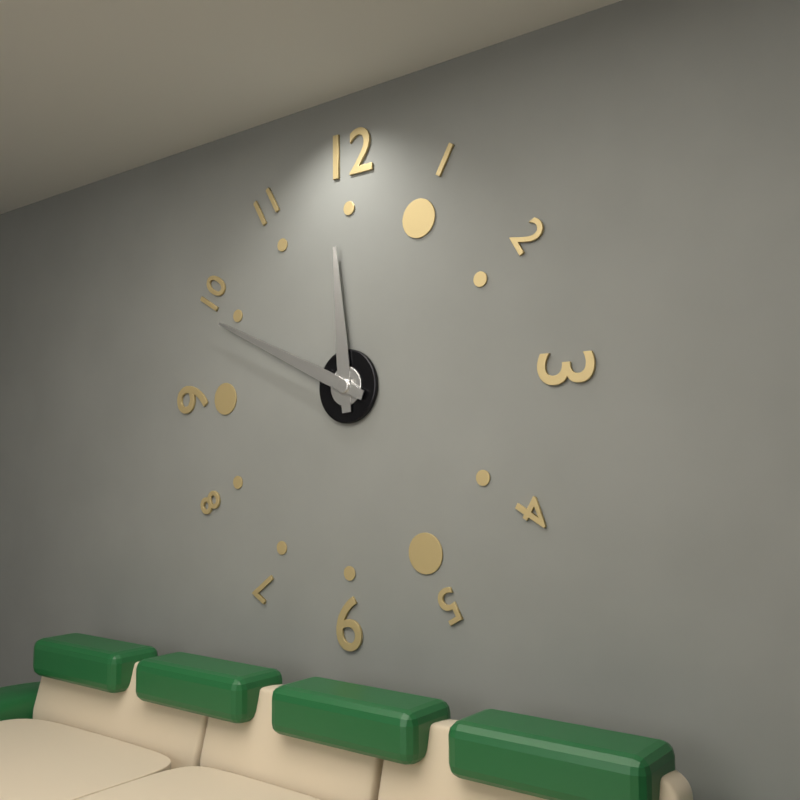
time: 11:49
